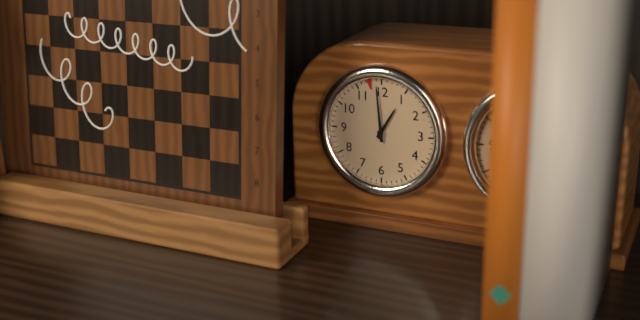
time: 12:59
